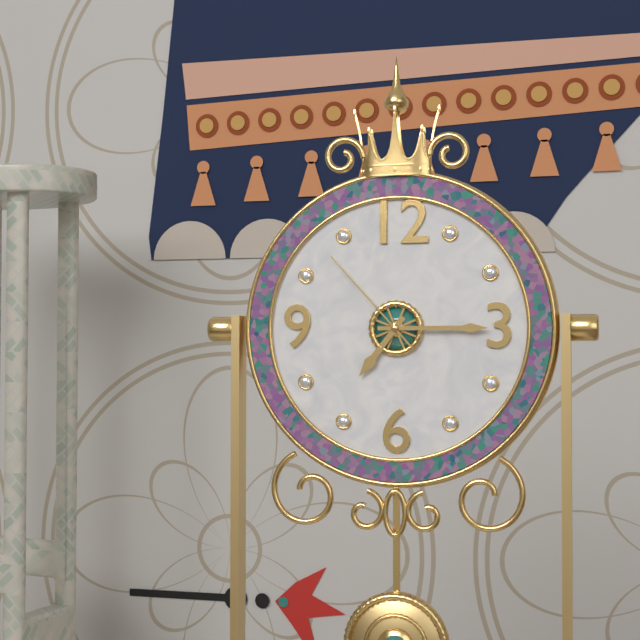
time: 7:15:53
